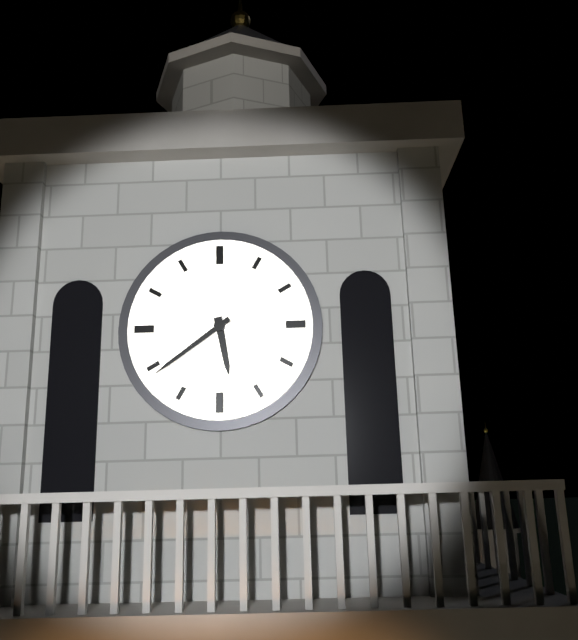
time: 5:39
